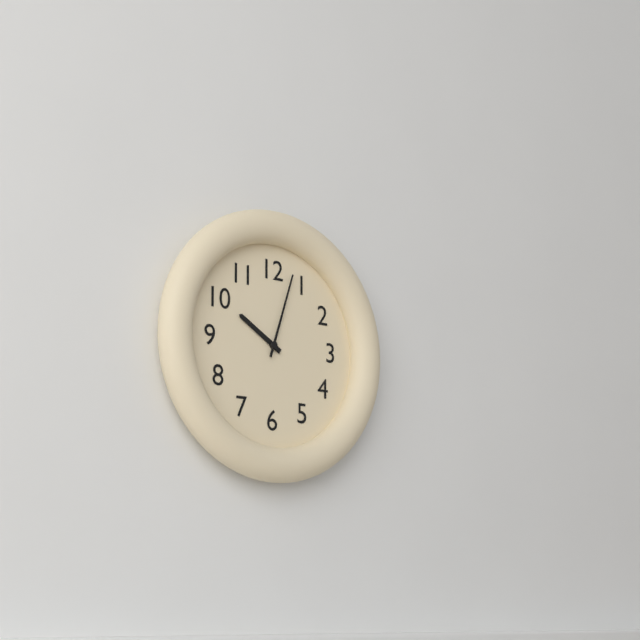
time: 10:03
